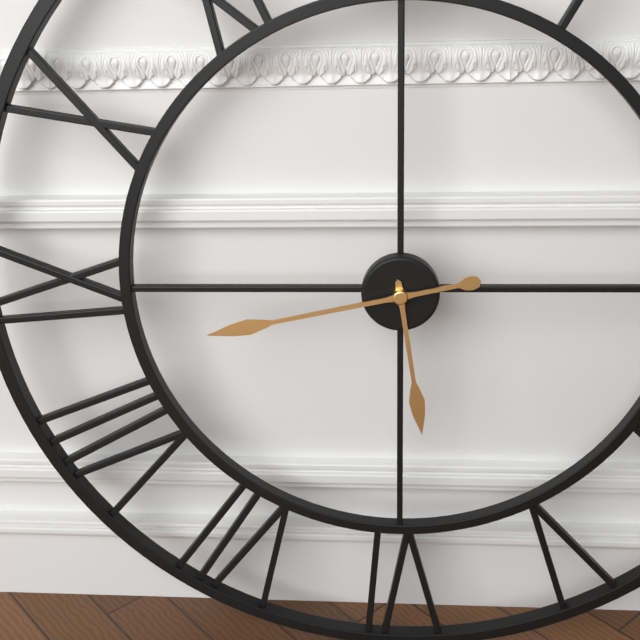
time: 5:43
